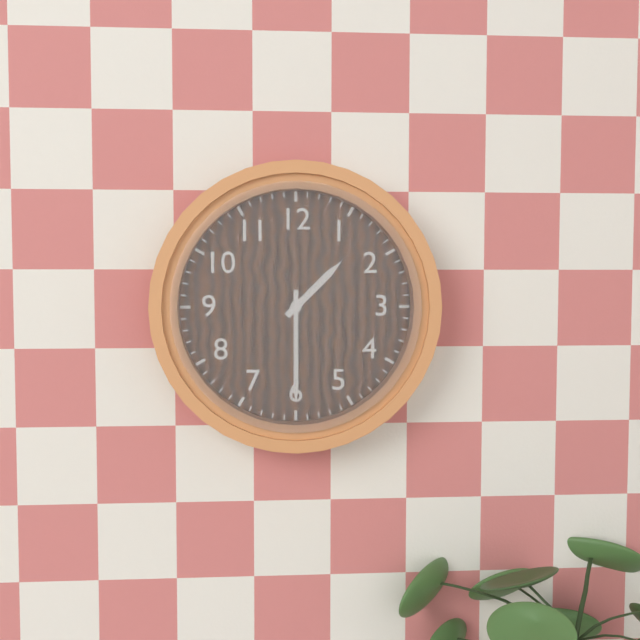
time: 1:30
